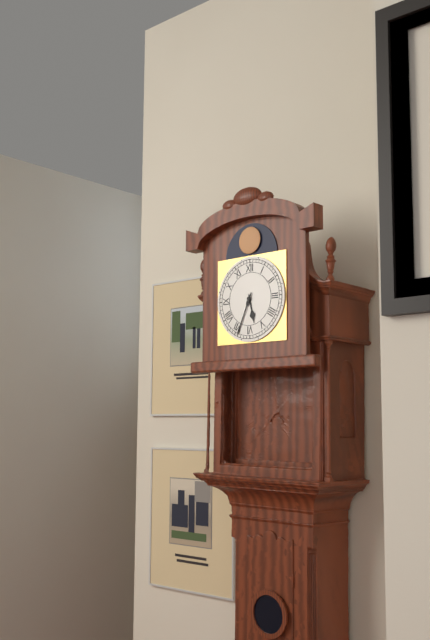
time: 5:34
